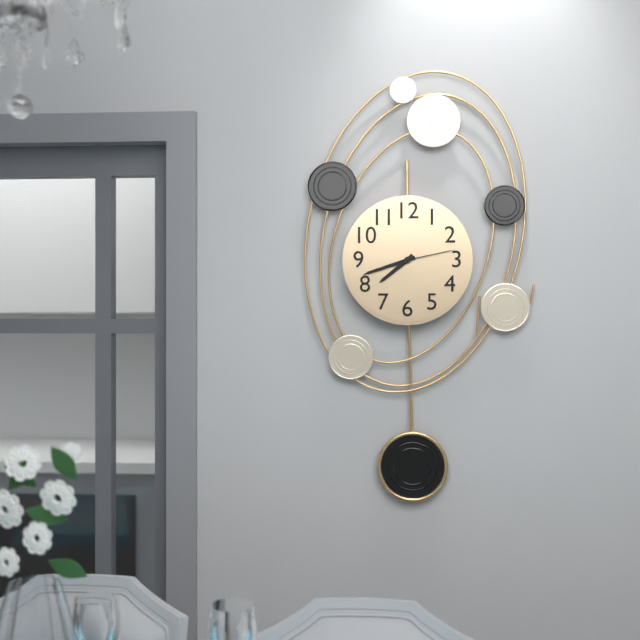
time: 7:42:13
